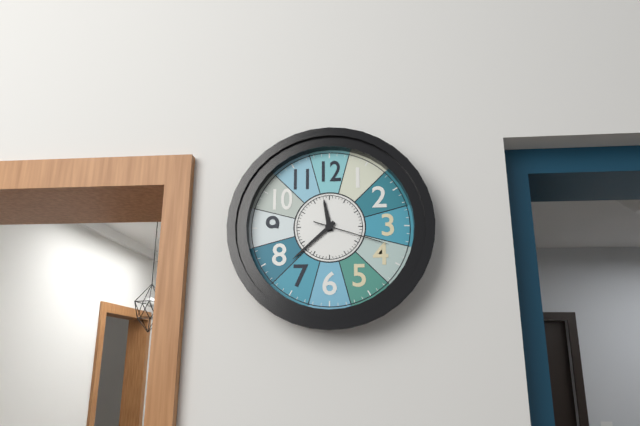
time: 11:38:18
